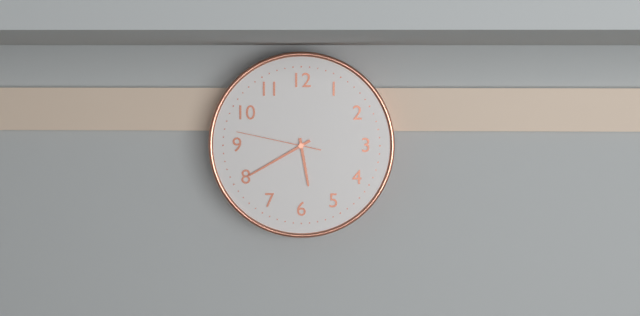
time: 5:40:47
